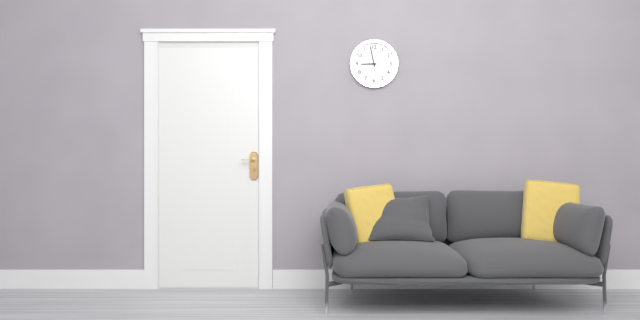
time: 8:58
